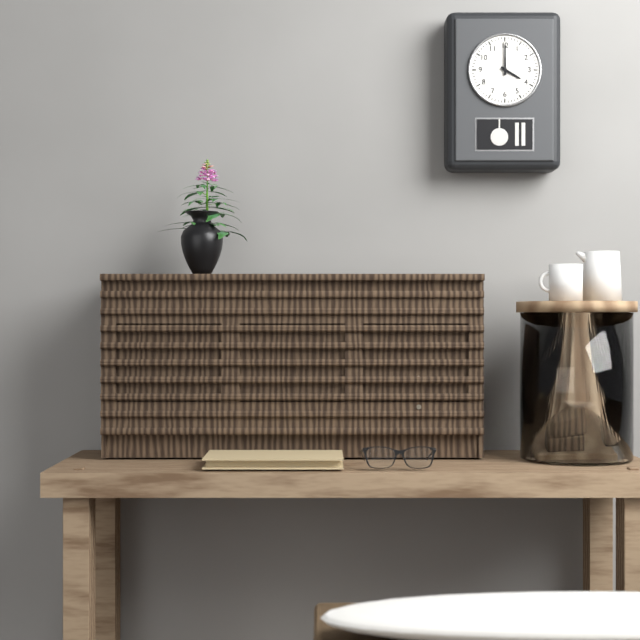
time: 4:00
